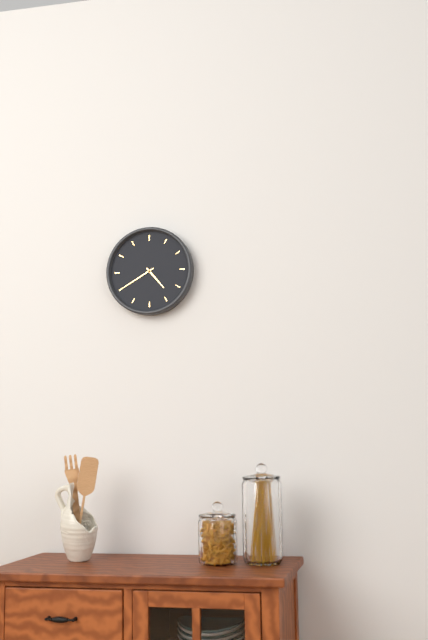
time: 4:40
